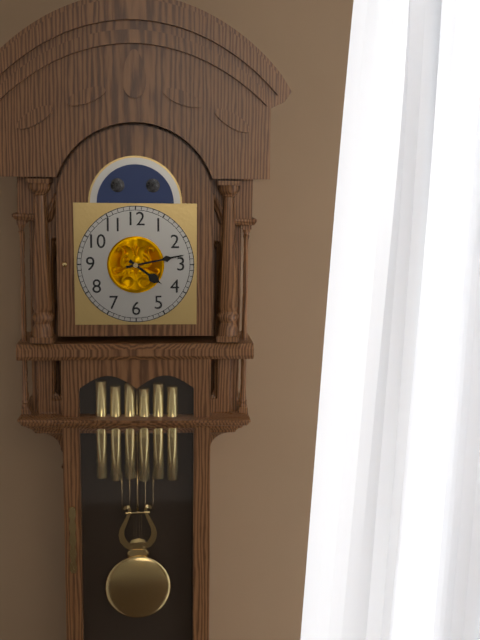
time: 4:13
